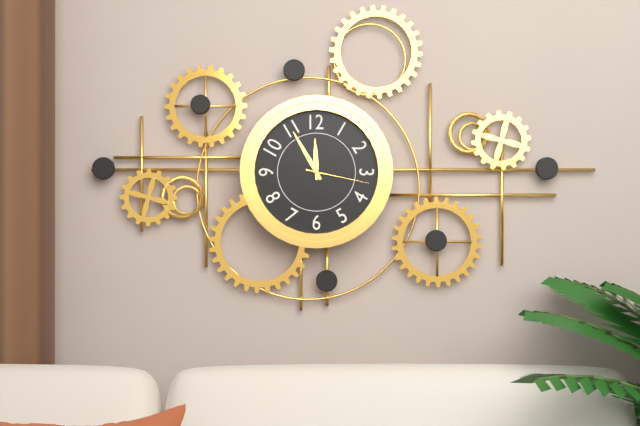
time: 11:55:17
